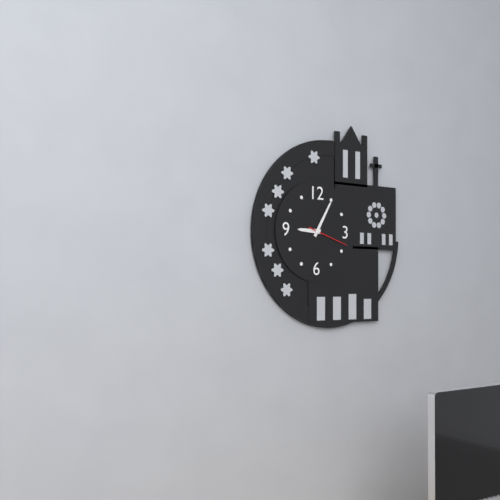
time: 9:05
